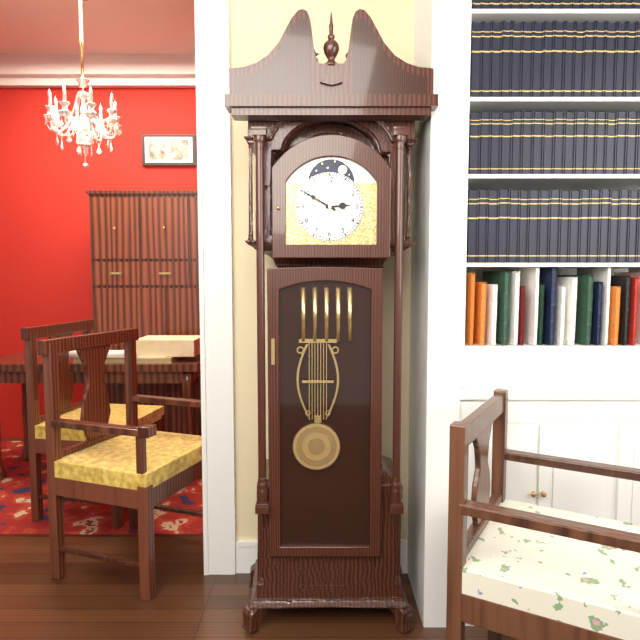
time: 2:50
